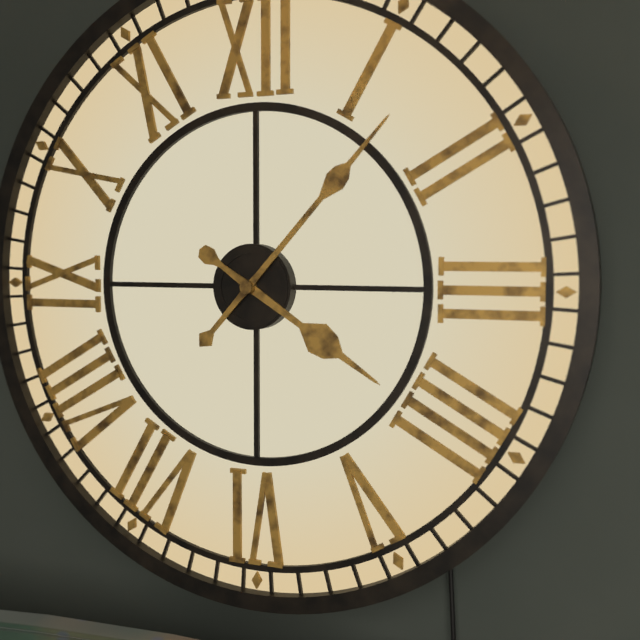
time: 4:07
